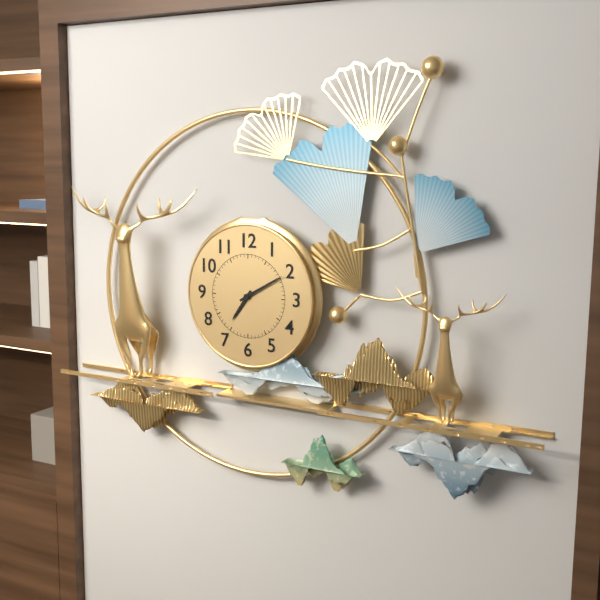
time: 7:10
